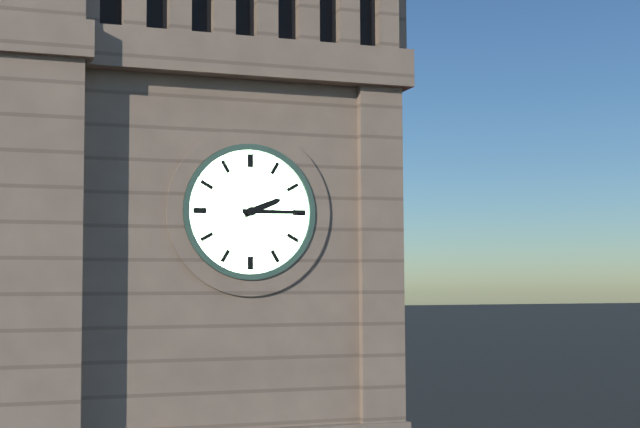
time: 2:15
